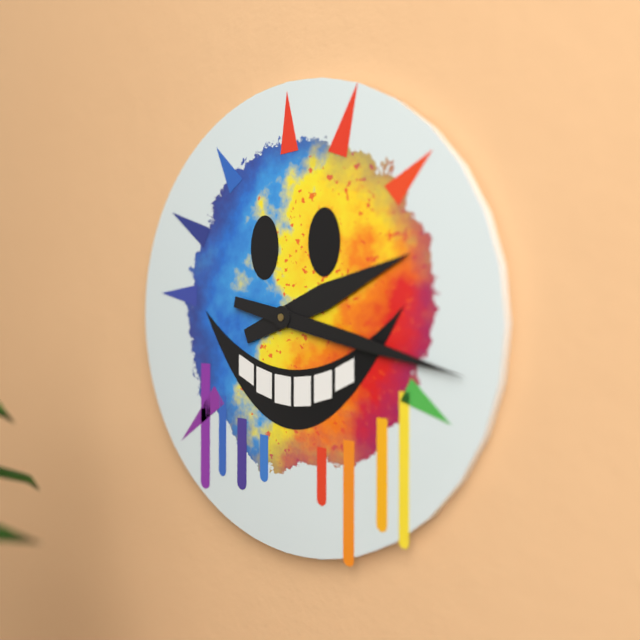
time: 2:17
